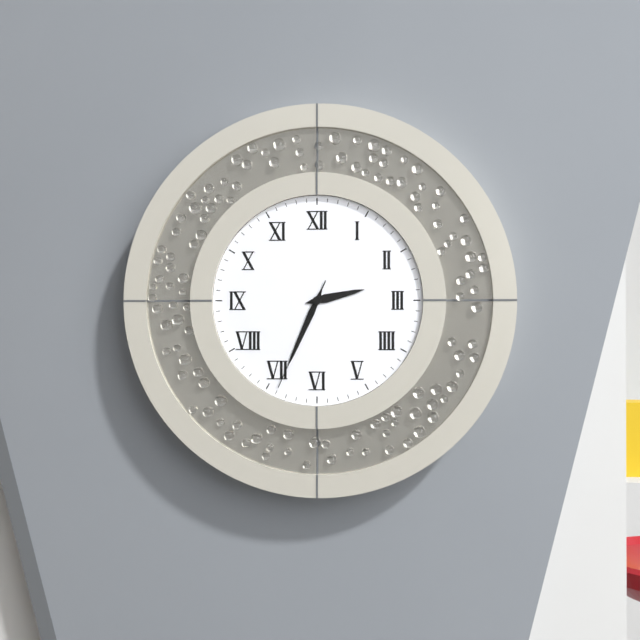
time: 2:34:34
